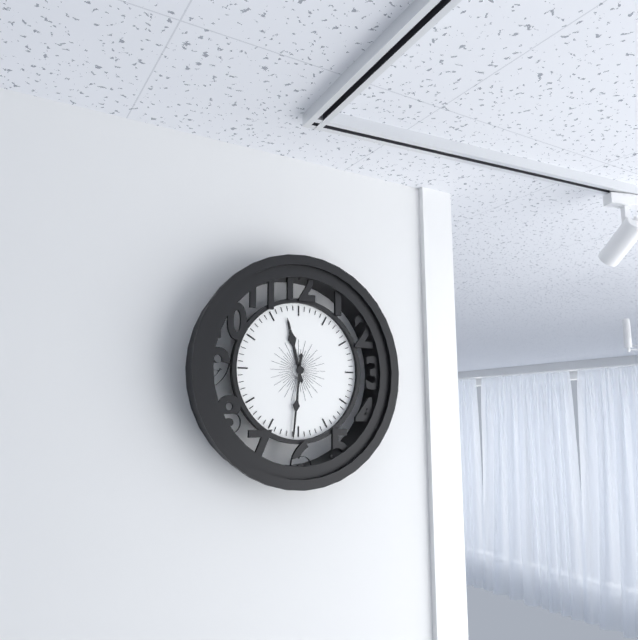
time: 11:31
